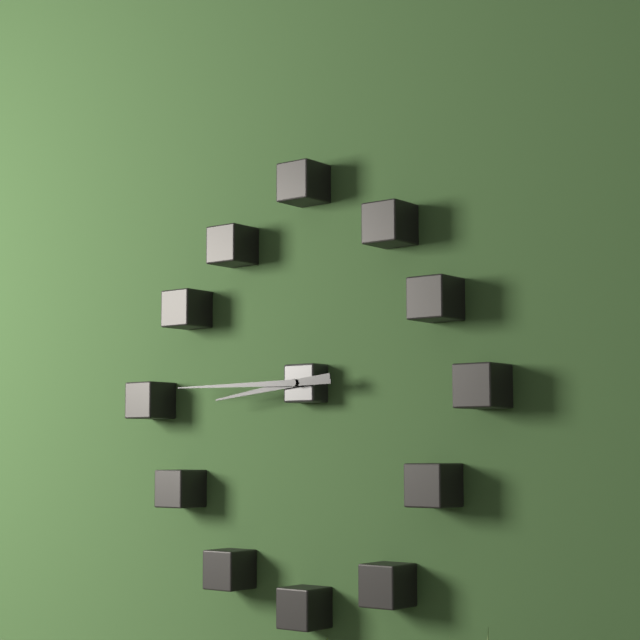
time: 8:45
